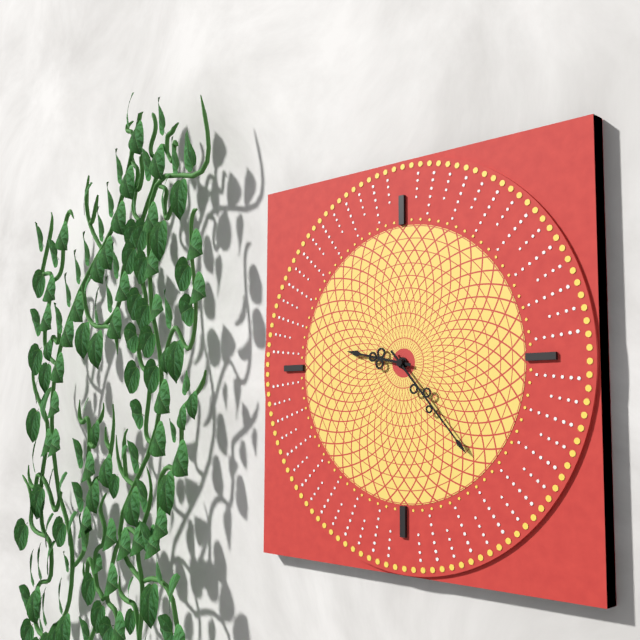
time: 9:23
